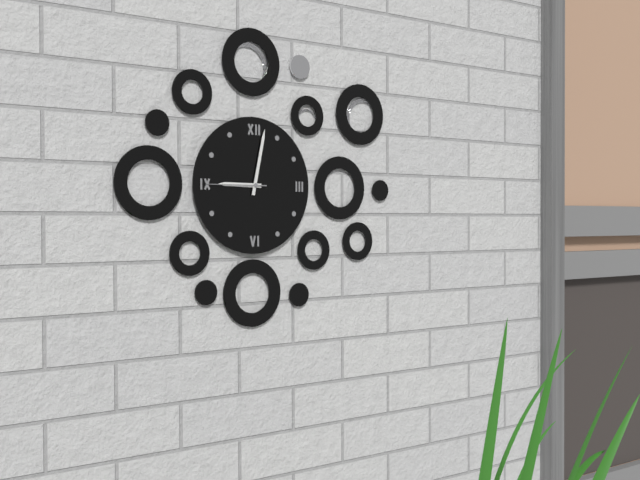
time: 9:02:45
